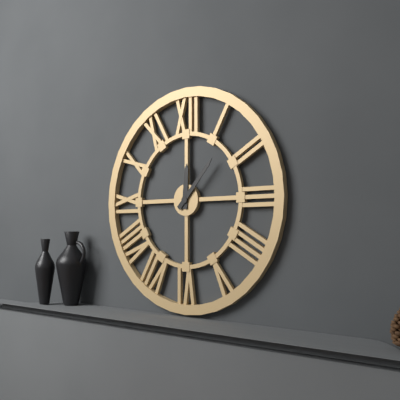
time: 12:07
